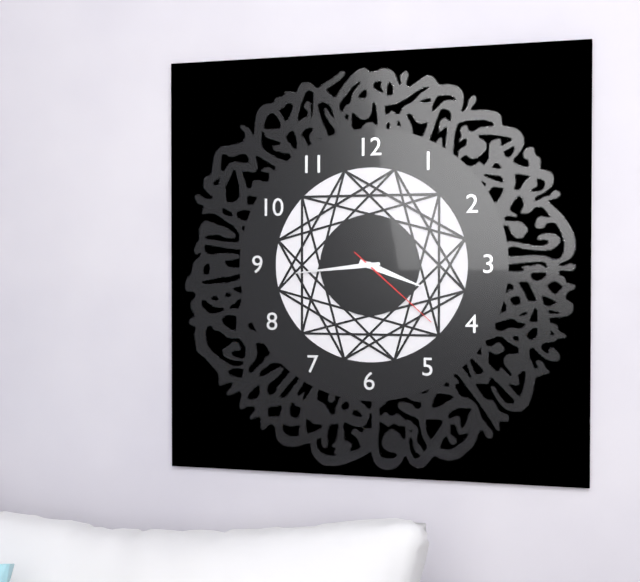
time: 3:44:22
